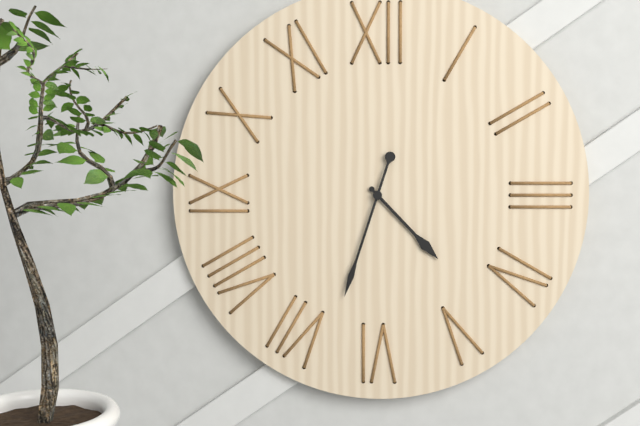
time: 4:33
